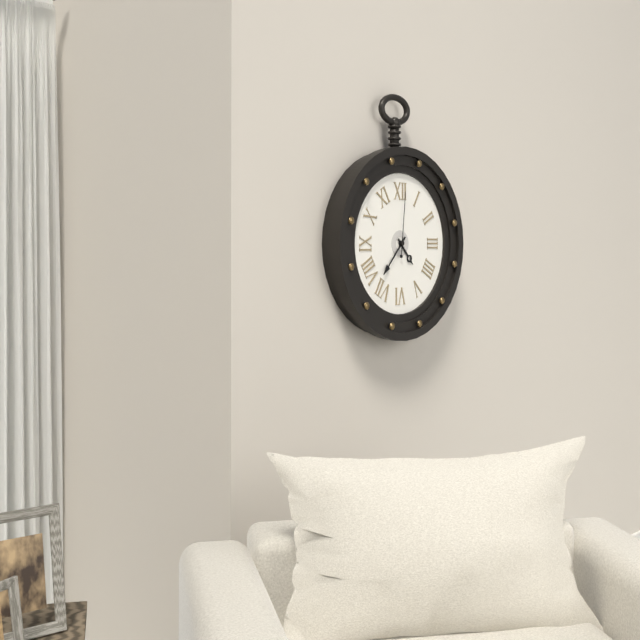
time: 4:37:01
